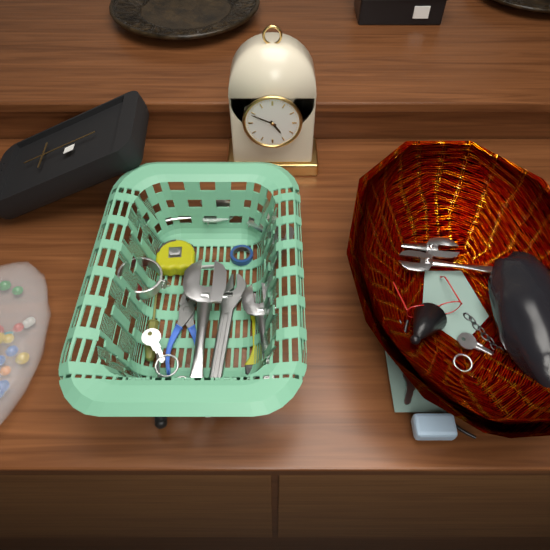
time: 4:49
